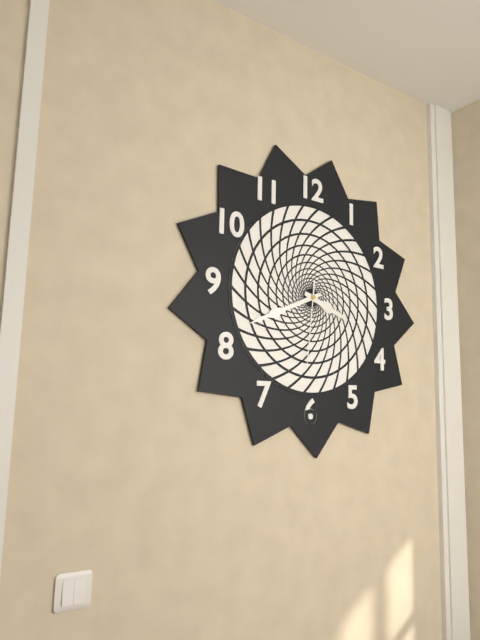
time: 3:41:31
